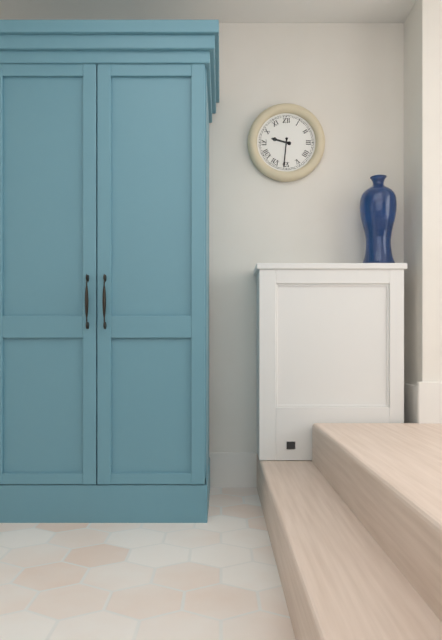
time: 9:31
